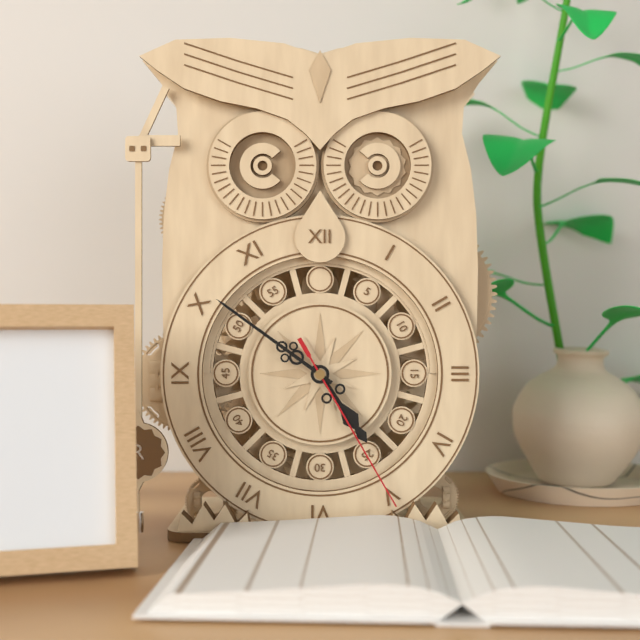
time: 4:51:25
